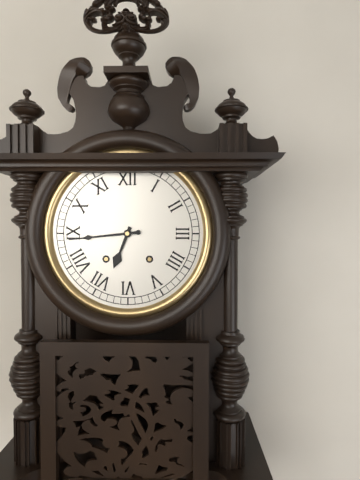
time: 6:44
